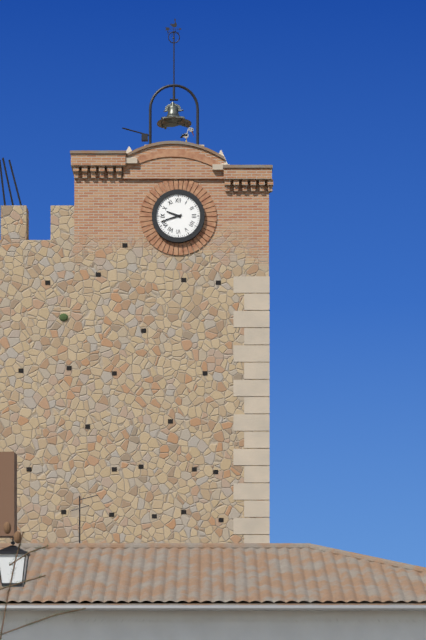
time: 9:42
